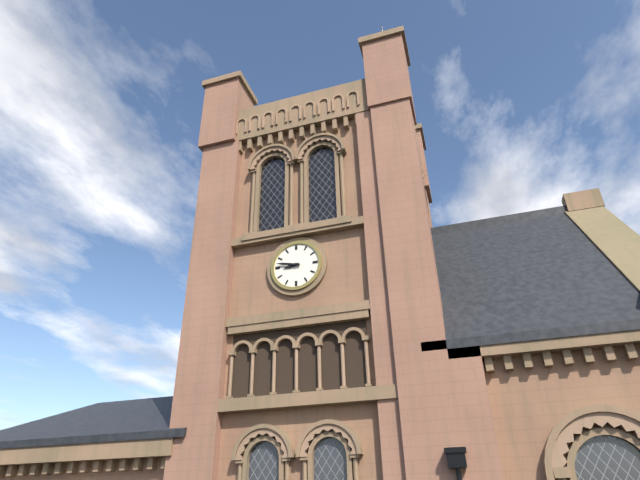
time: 8:47
